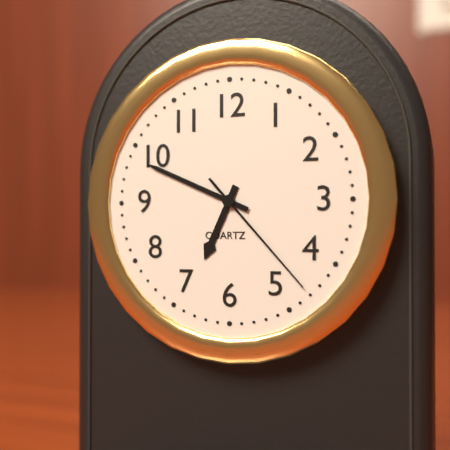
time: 6:49:23
